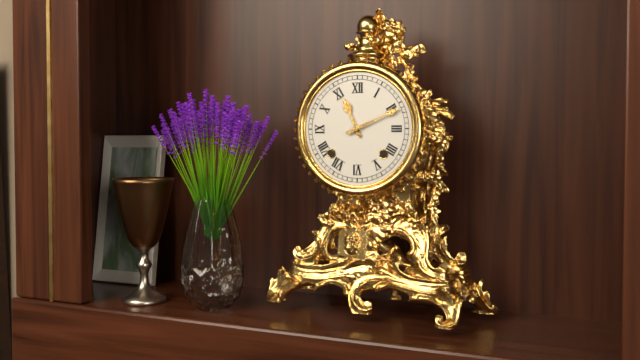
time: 11:11
